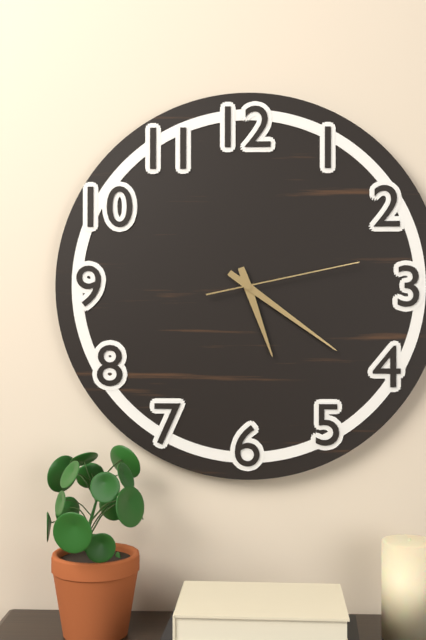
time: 5:21:13
